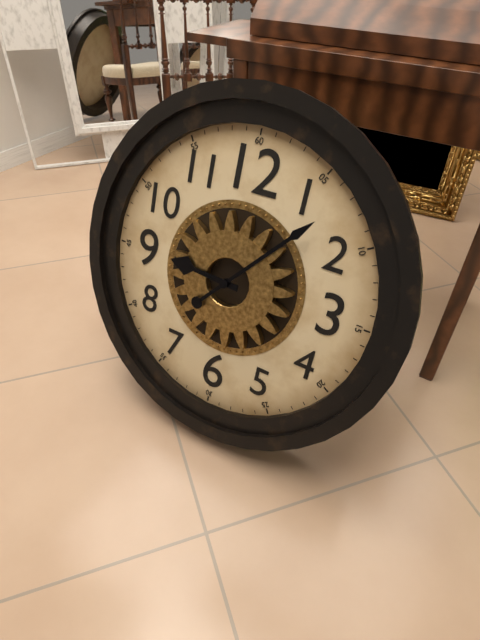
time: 9:07
